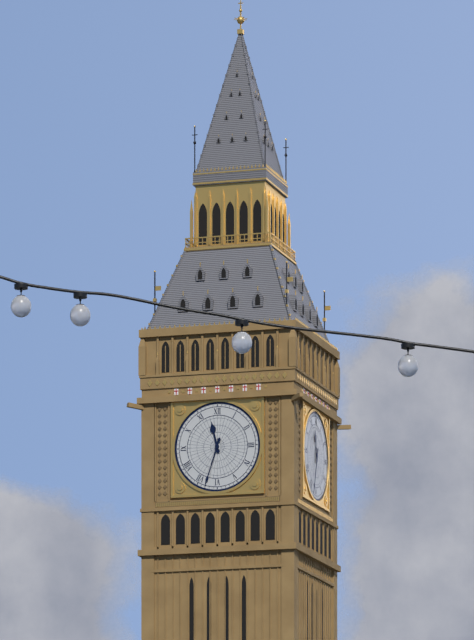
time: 11:33
